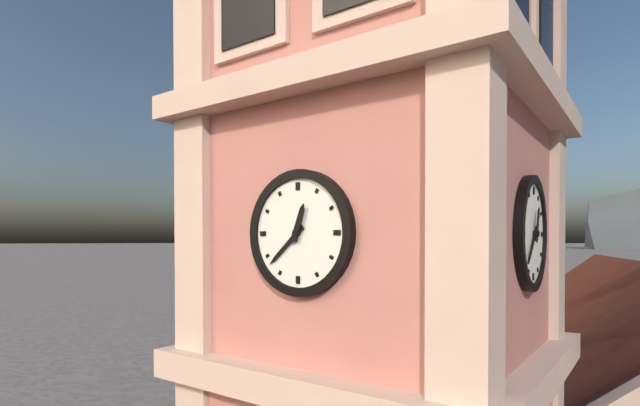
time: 12:38
